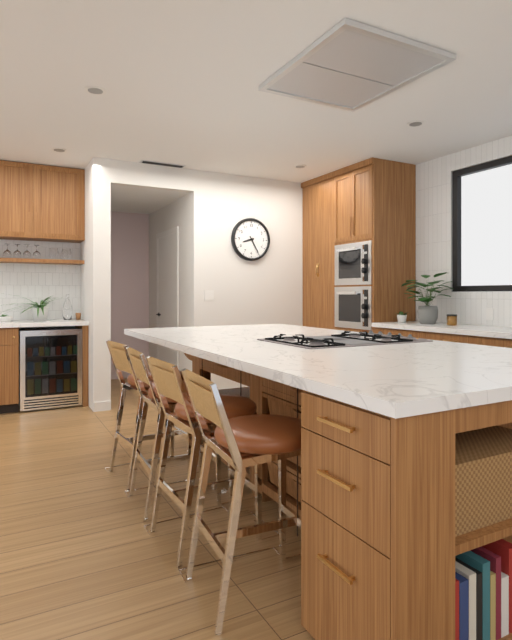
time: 8:25
